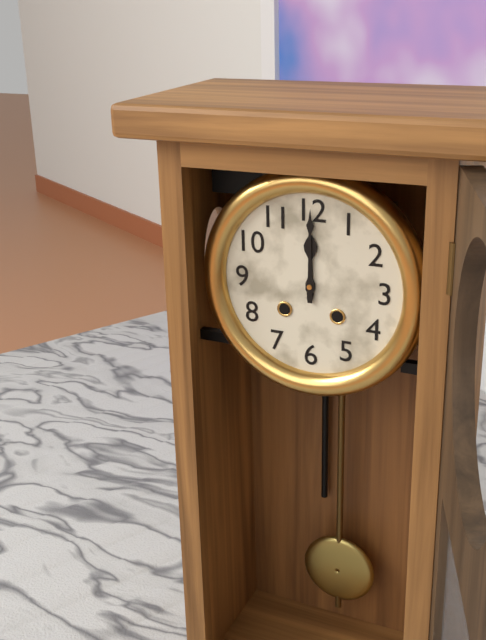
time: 12:00
